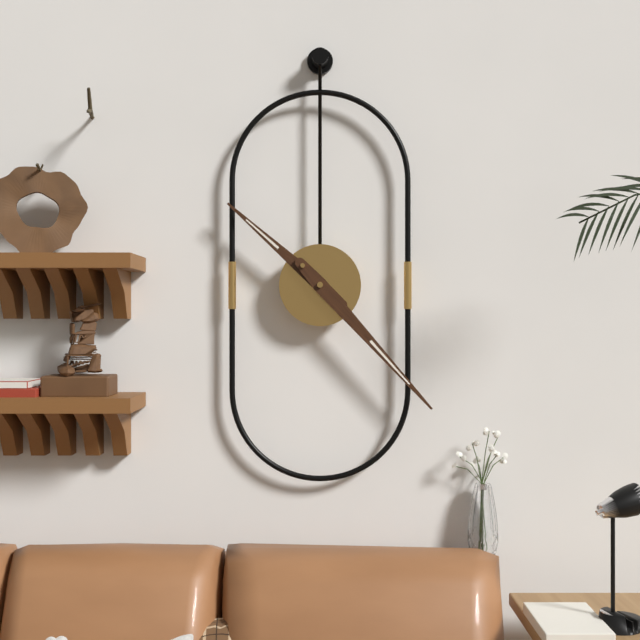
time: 10:23
